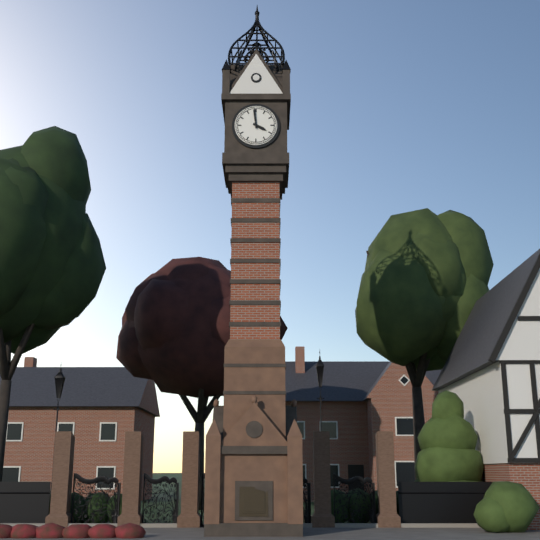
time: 3:59
